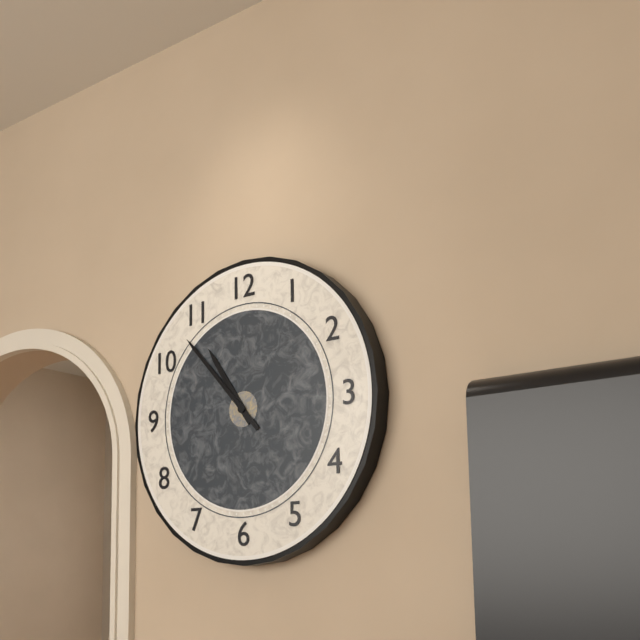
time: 10:53
